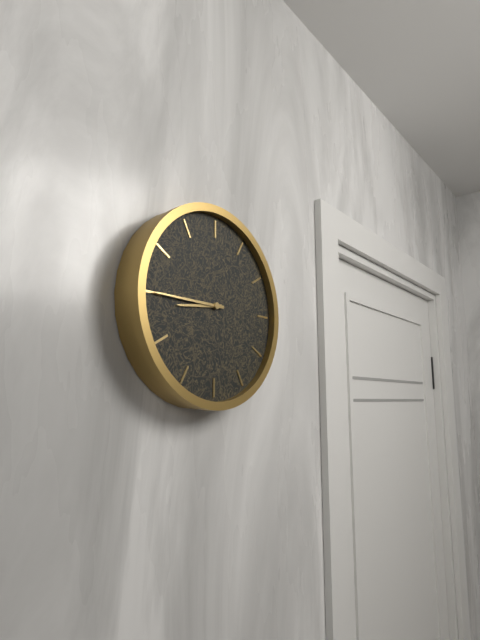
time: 8:45
